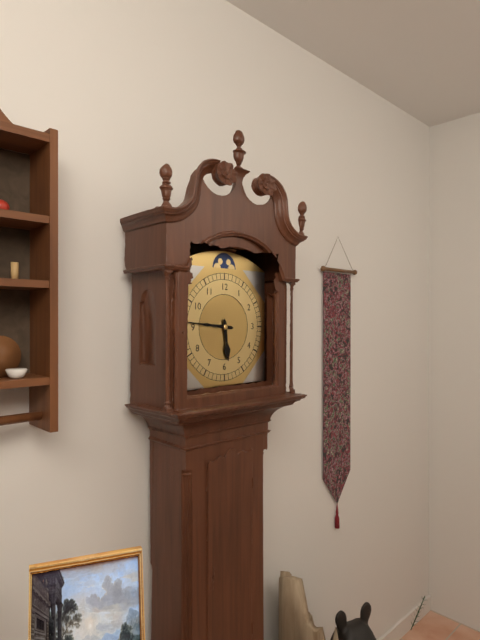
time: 5:46
